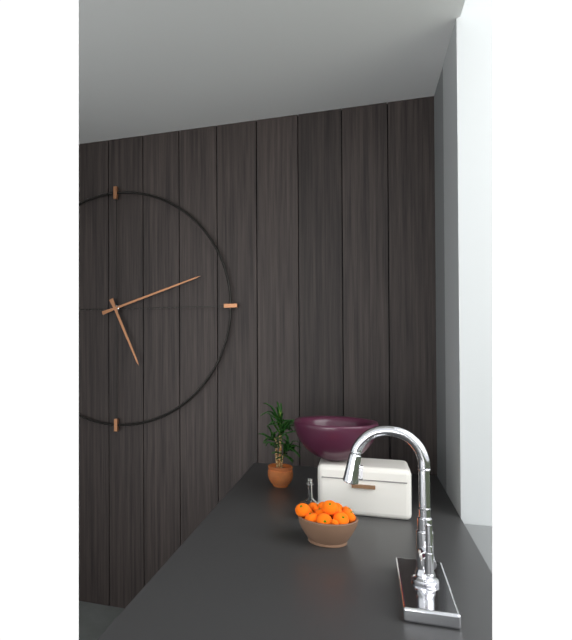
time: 5:12
